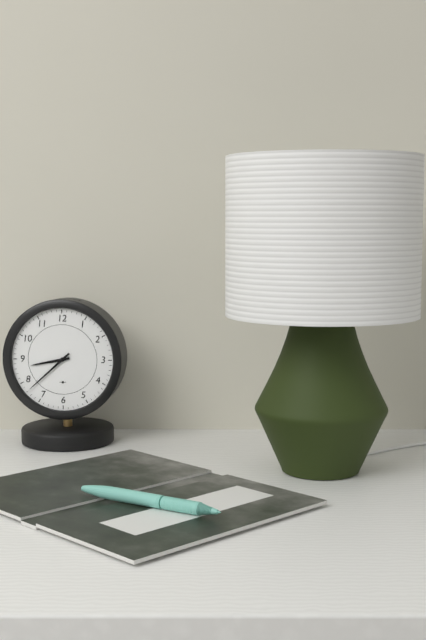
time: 8:38
